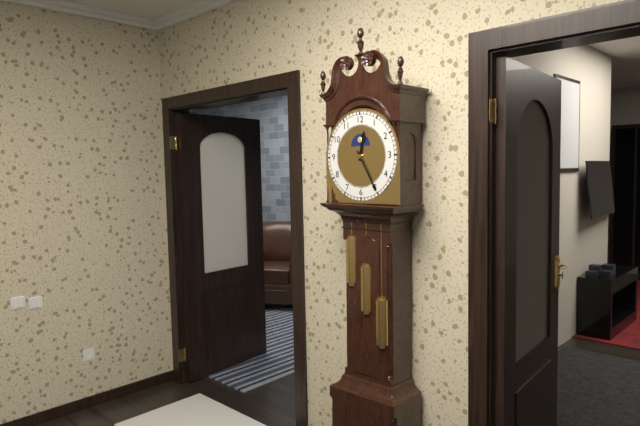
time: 12:25
